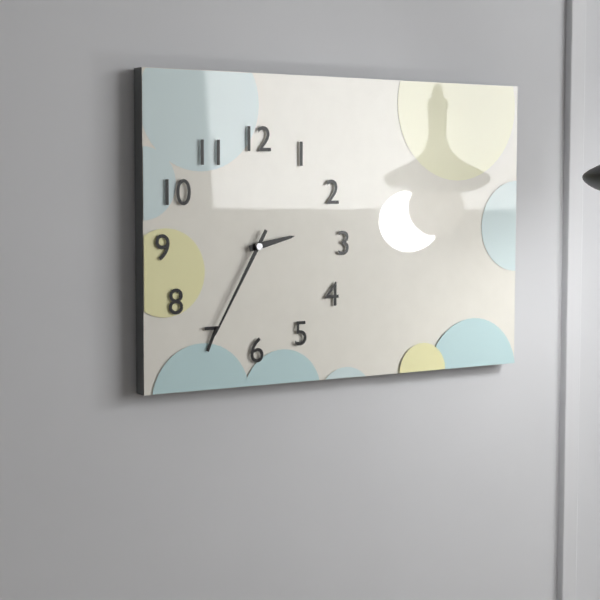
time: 2:35
